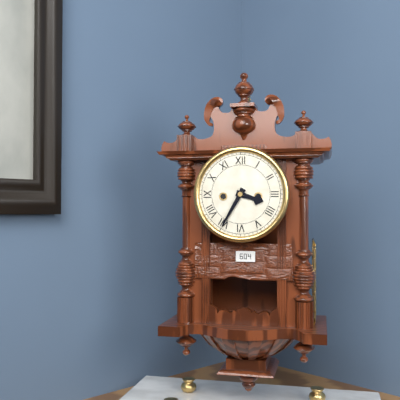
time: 3:35
